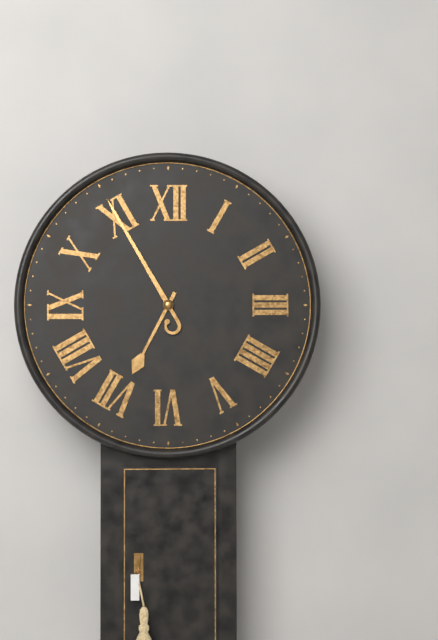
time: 6:55
